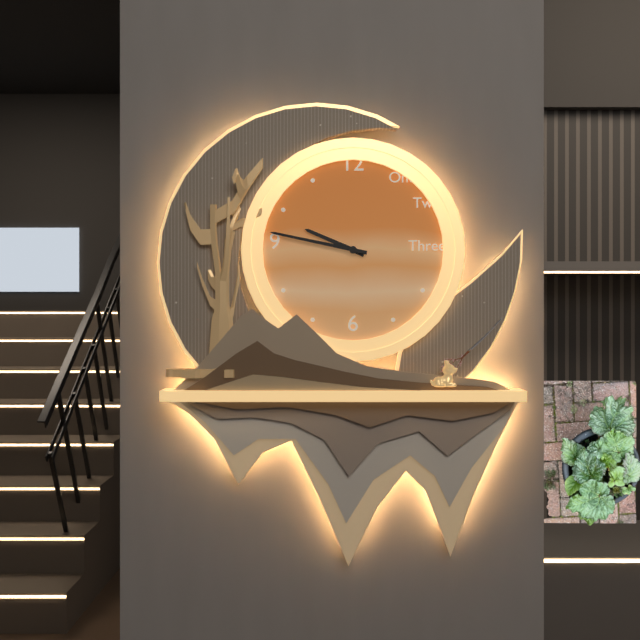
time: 9:47
